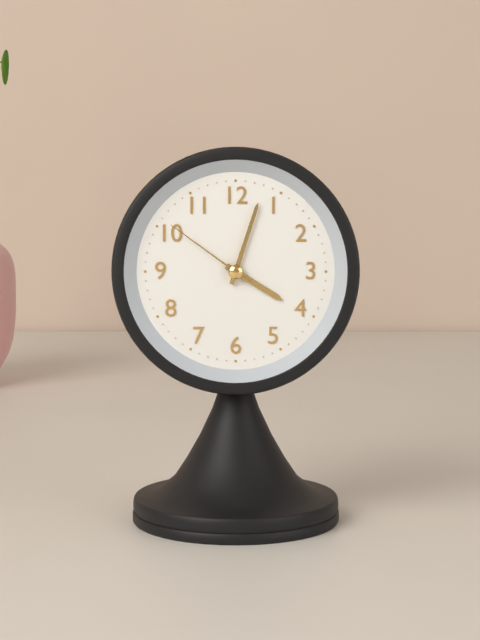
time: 4:03:51
